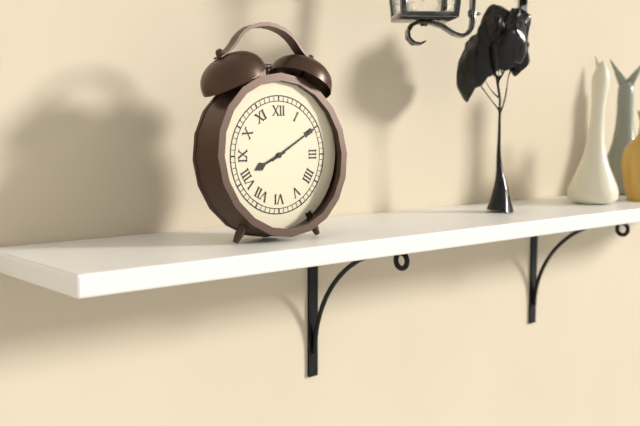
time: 8:10
